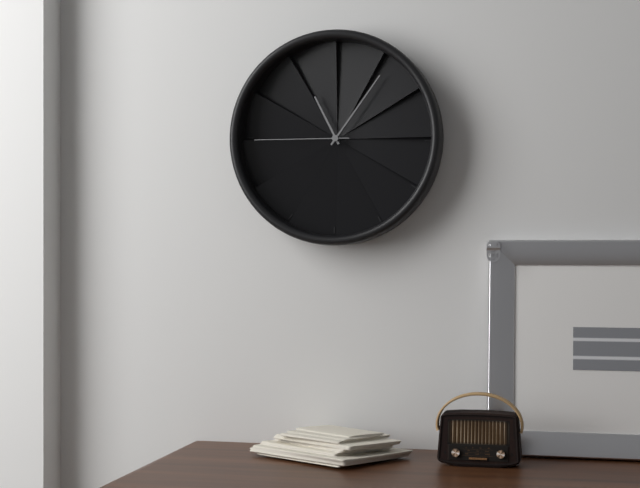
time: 11:06:45
